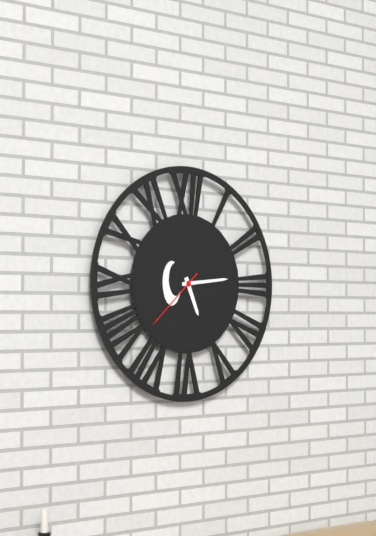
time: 5:14:38
